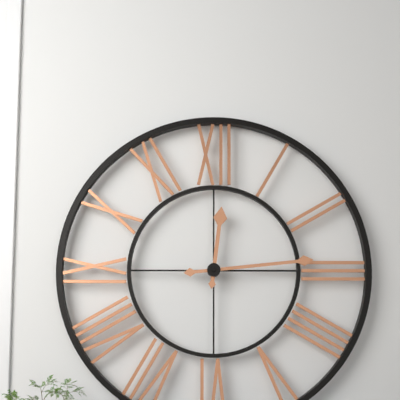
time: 12:14
